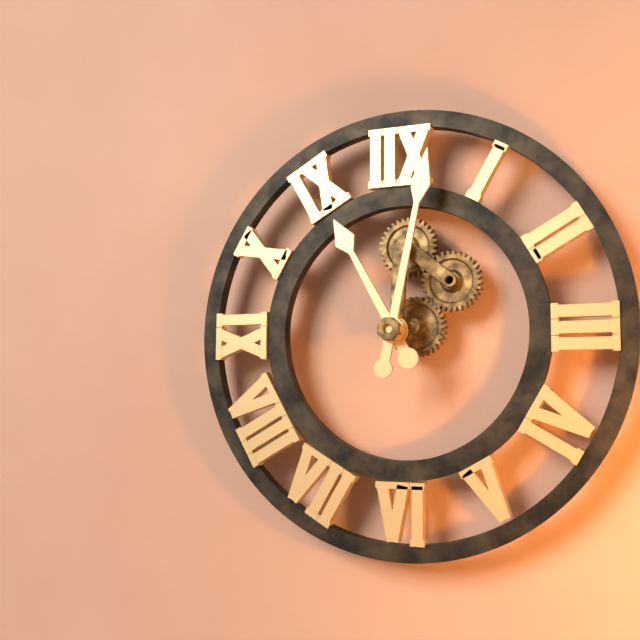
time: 11:02
